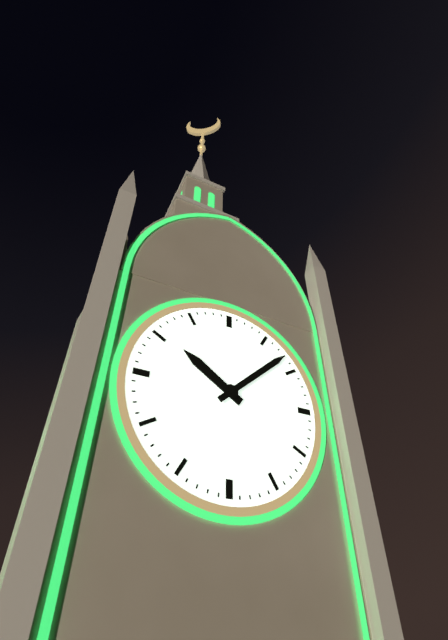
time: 10:08
